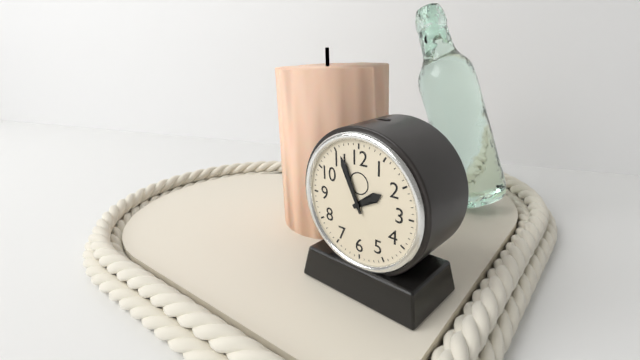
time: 1:56
